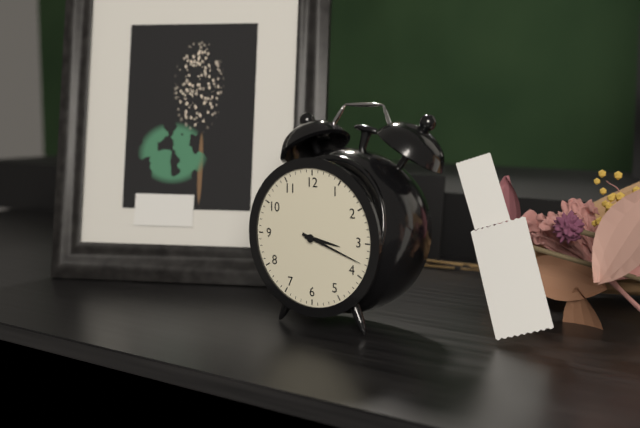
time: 3:18
